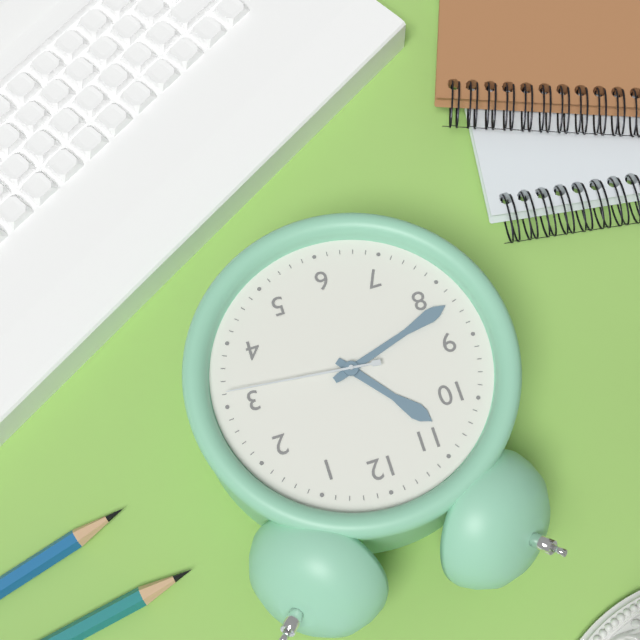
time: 10:42:16
